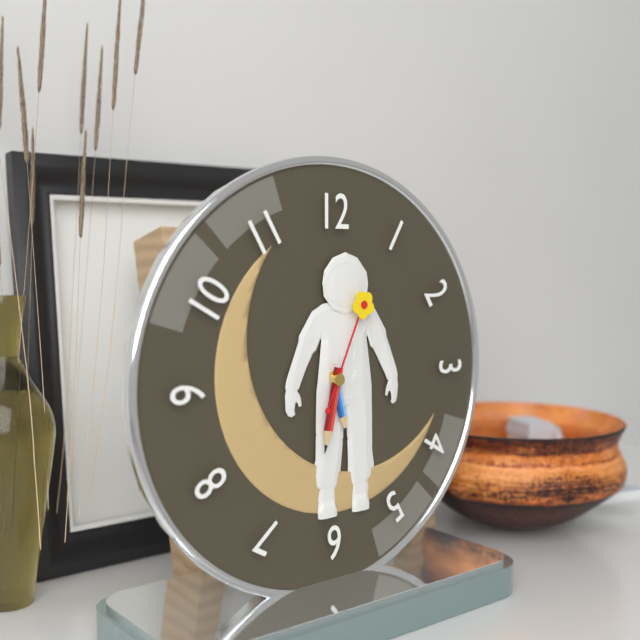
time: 5:32:04
